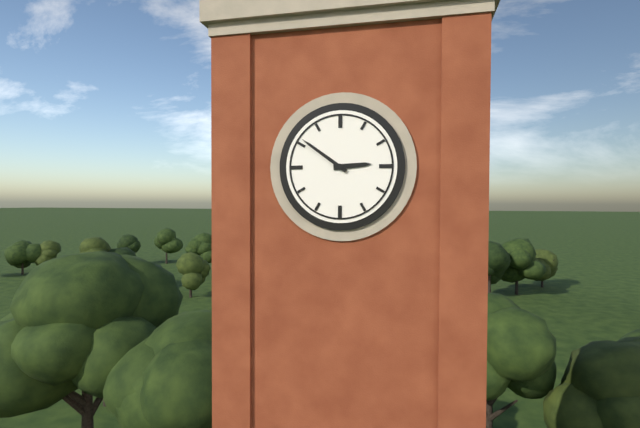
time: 2:51
